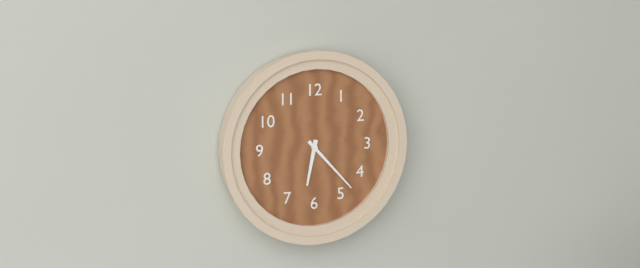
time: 6:23
